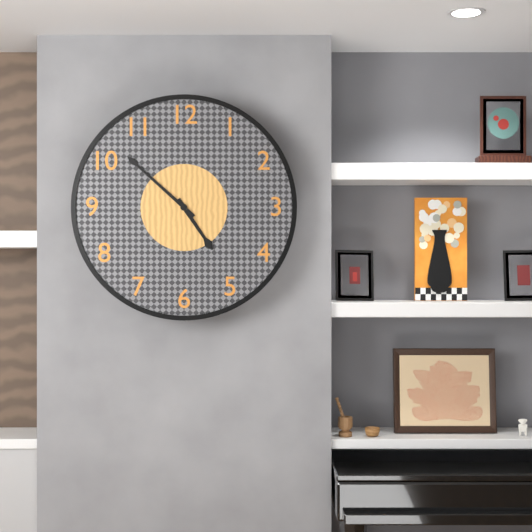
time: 4:52
